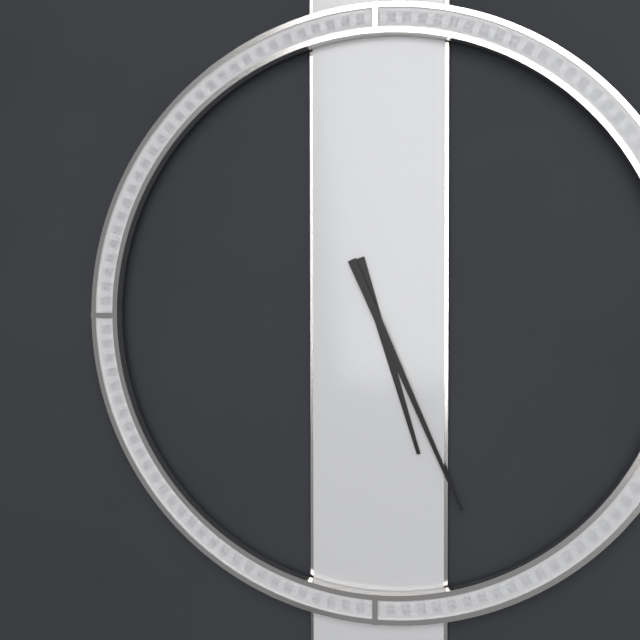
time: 5:26
